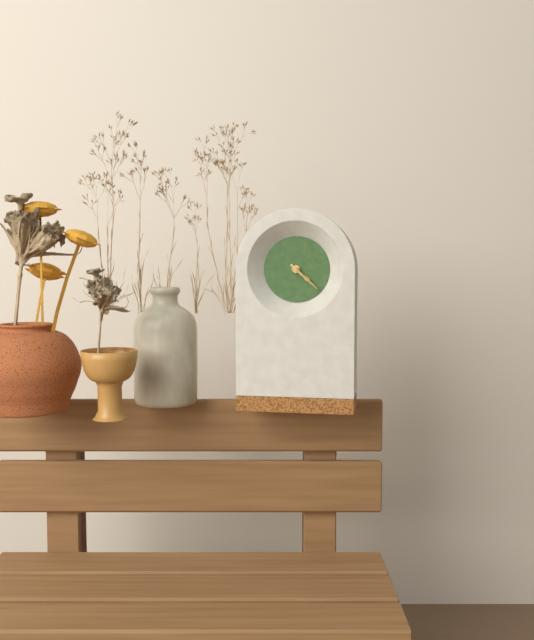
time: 4:22
